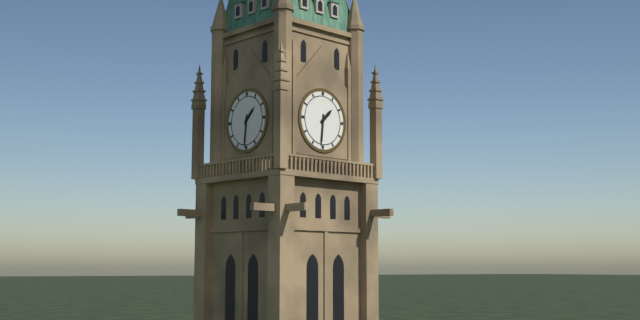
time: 1:31
